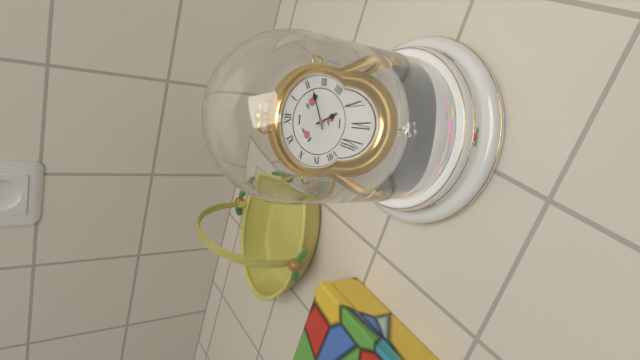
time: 5:11
